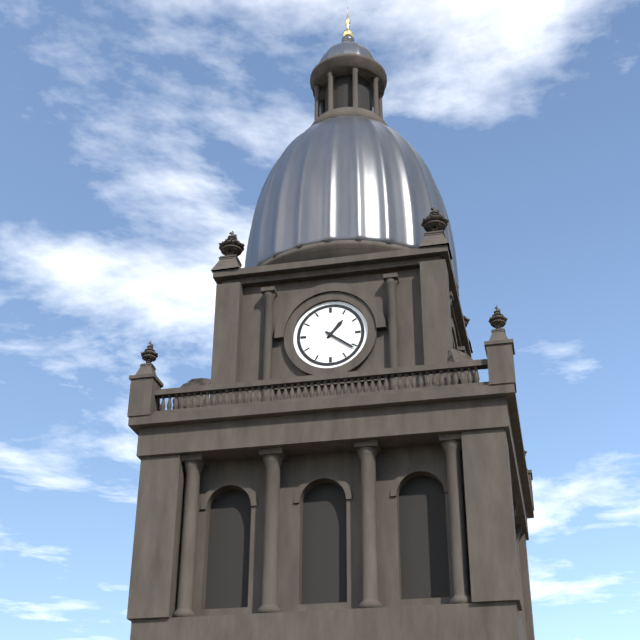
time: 1:21
